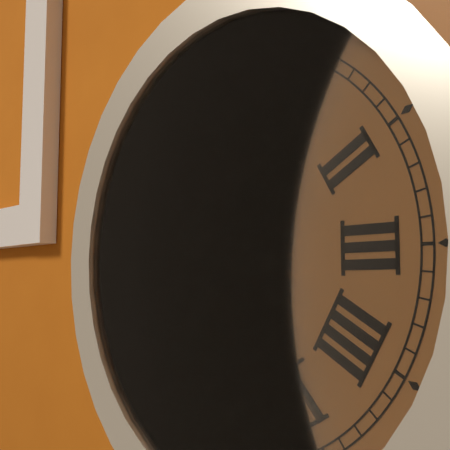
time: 7:39
